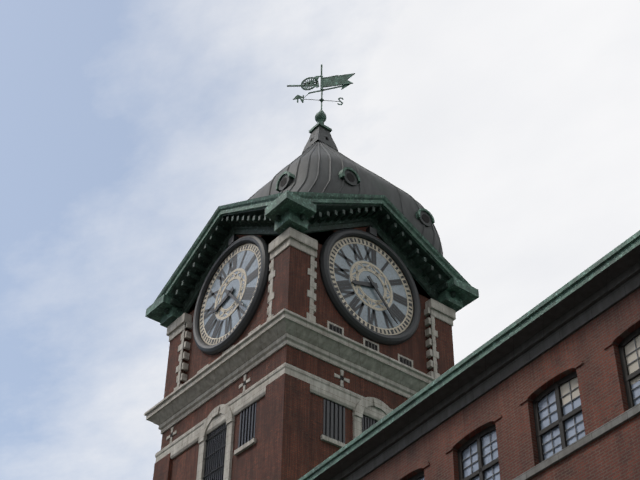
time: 8:23
